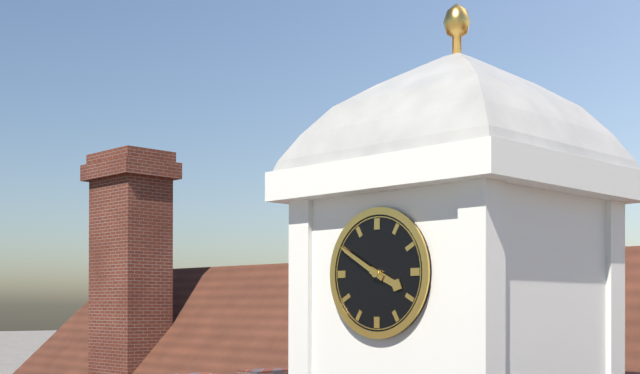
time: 3:50
